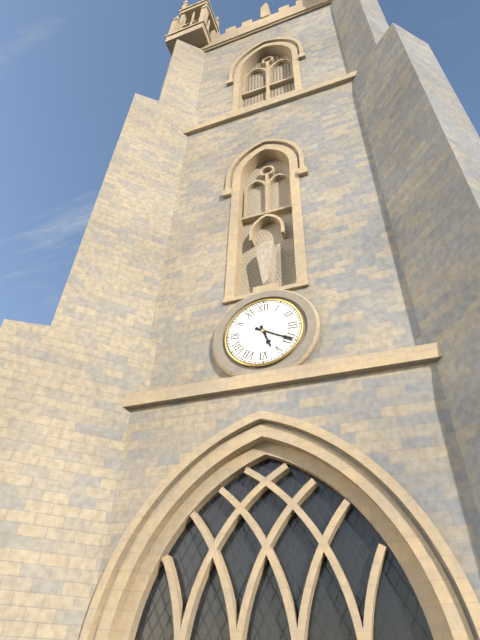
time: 5:20
